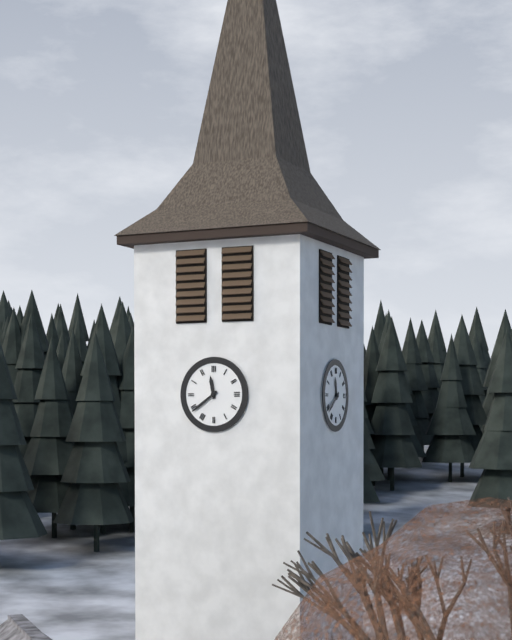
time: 11:39
